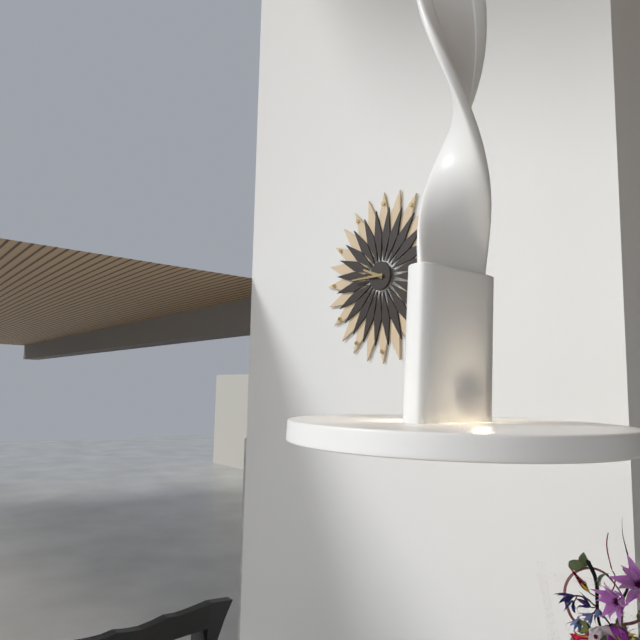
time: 9:45
